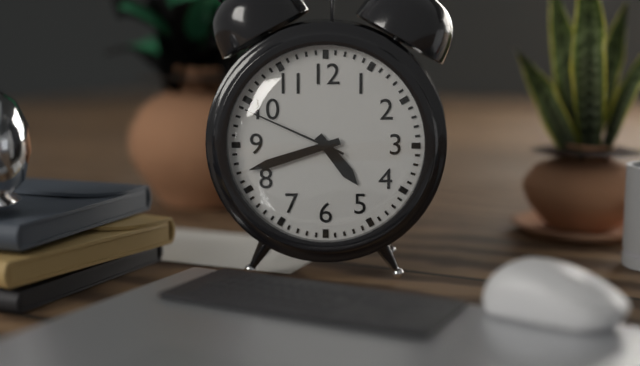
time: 4:42:49
